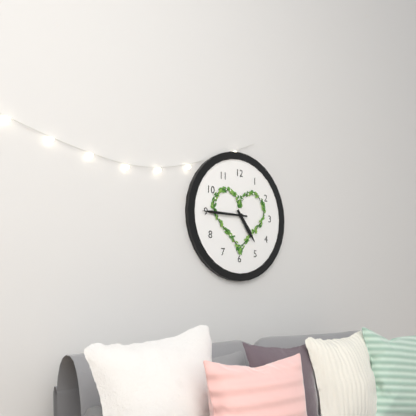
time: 4:45
